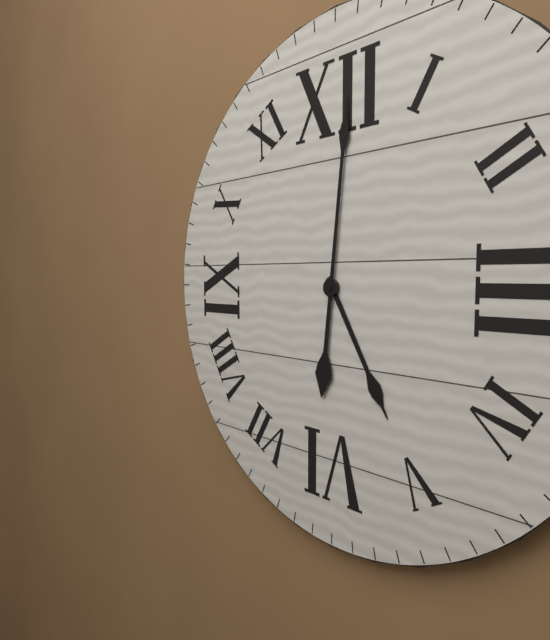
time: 5:01
